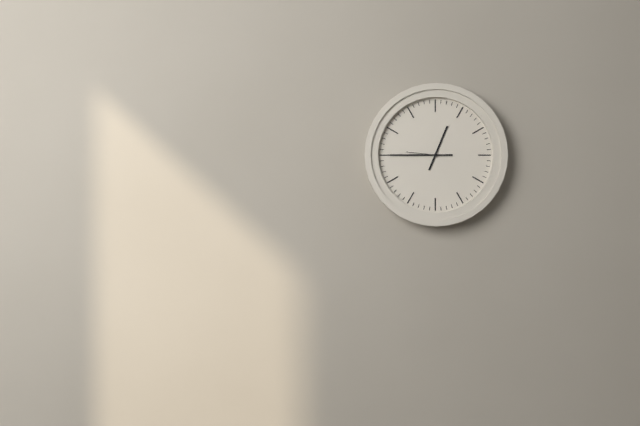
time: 12:45
